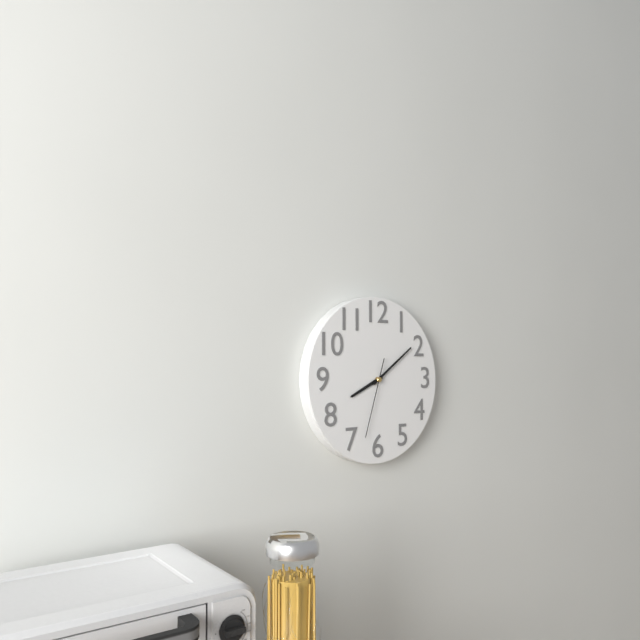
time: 8:09:33
